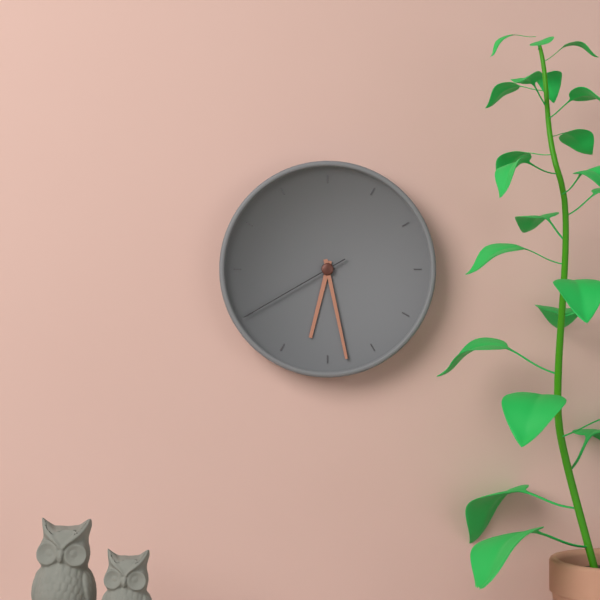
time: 6:28:40
